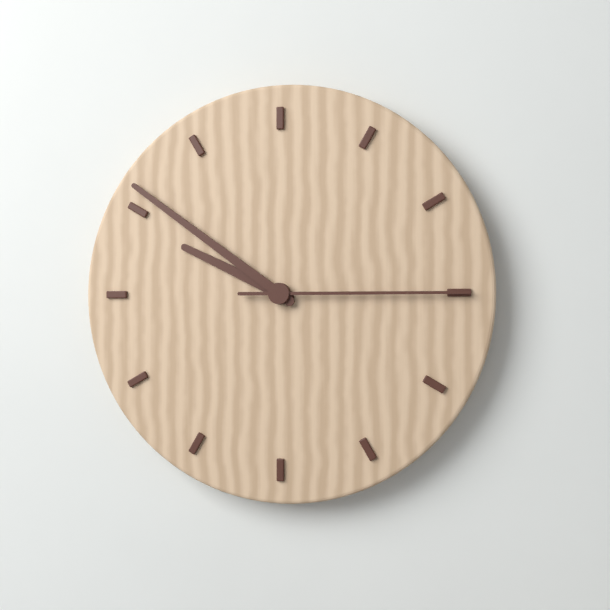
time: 9:51:15
